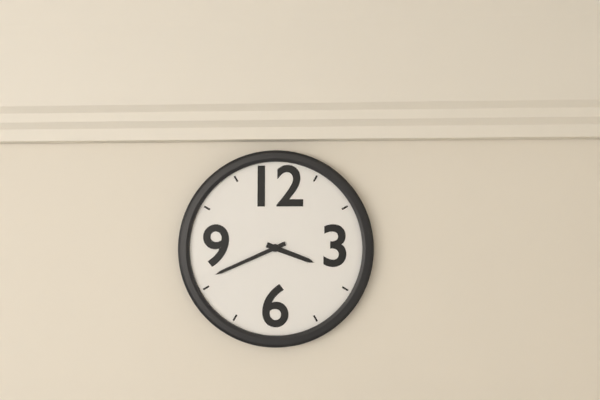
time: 3:41
